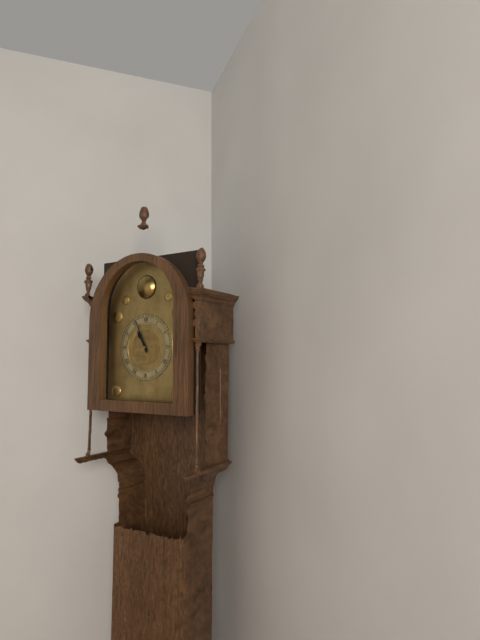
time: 10:56
